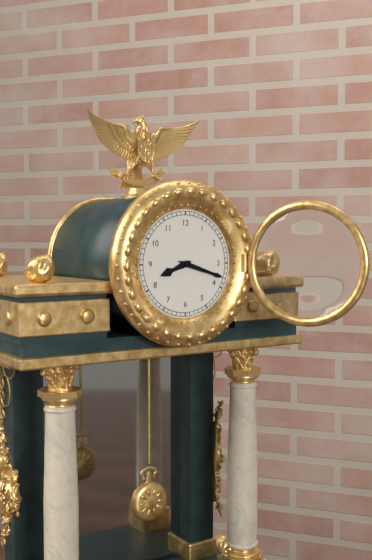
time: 8:18
